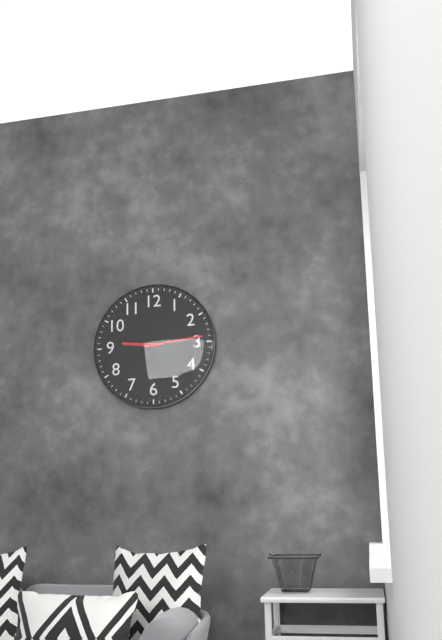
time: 9:14
